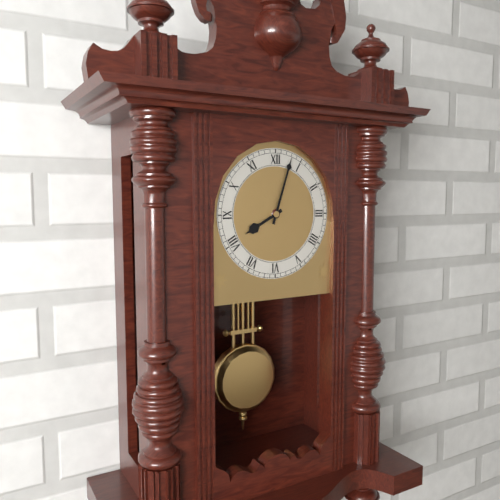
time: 8:03
